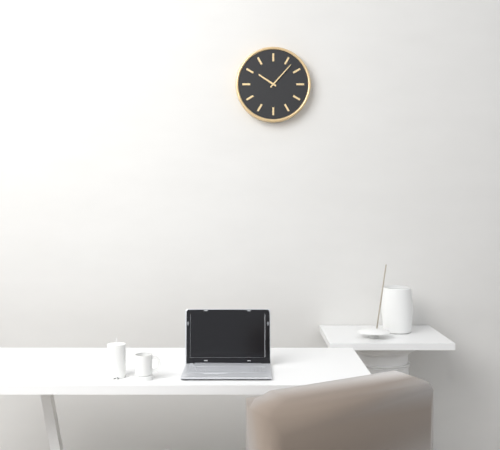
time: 10:07
